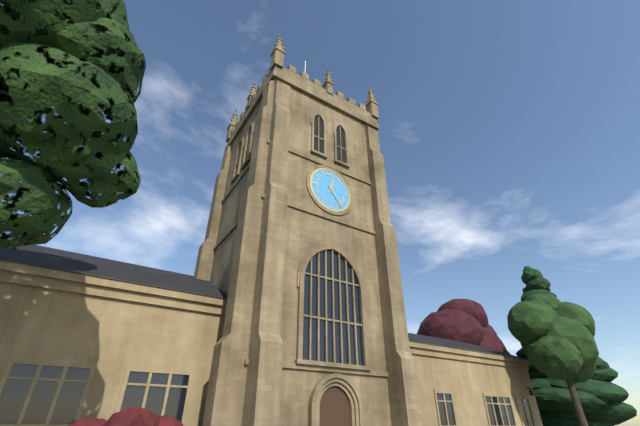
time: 12:24
